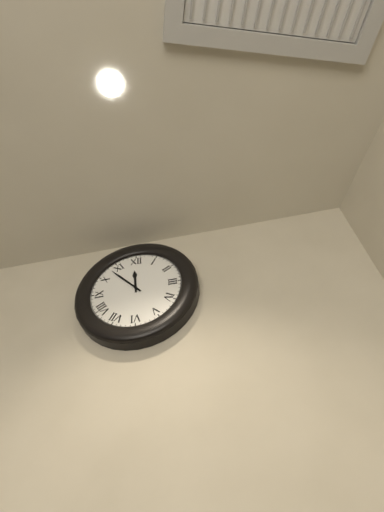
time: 11:53
